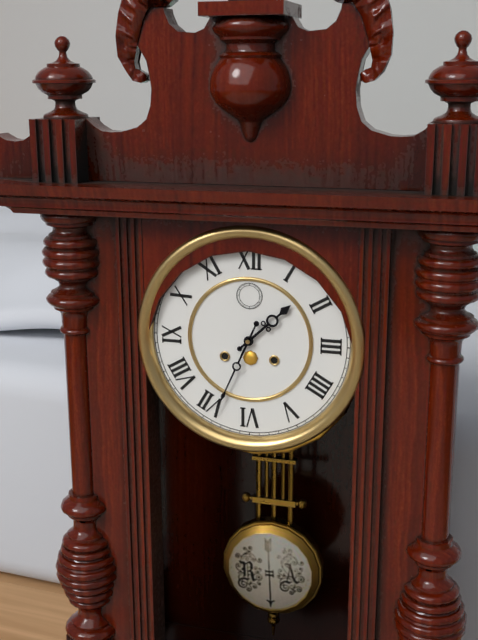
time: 1:34
